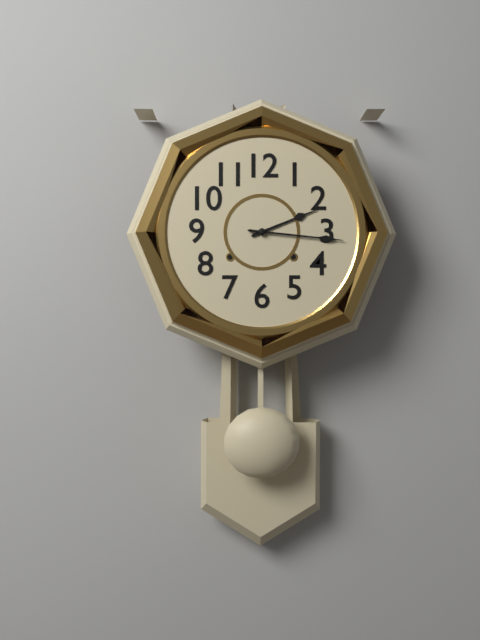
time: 2:16
